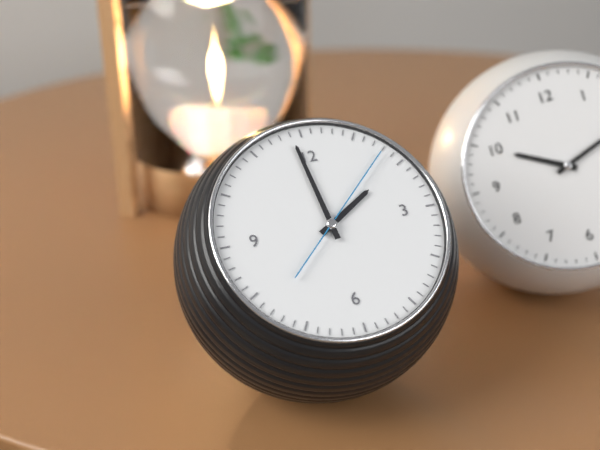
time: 1:59:08
